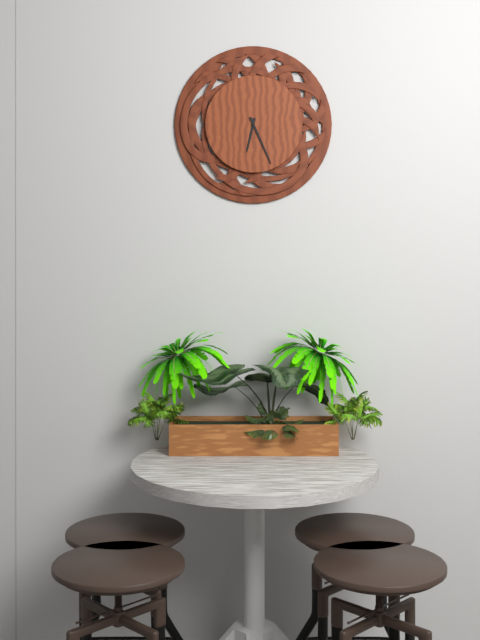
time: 6:26
